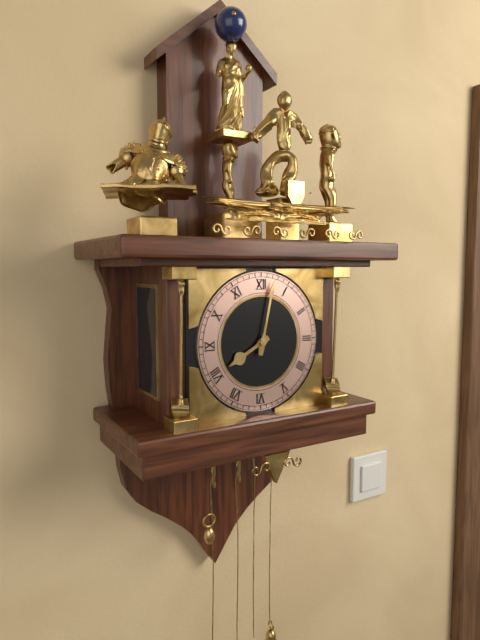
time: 8:02
